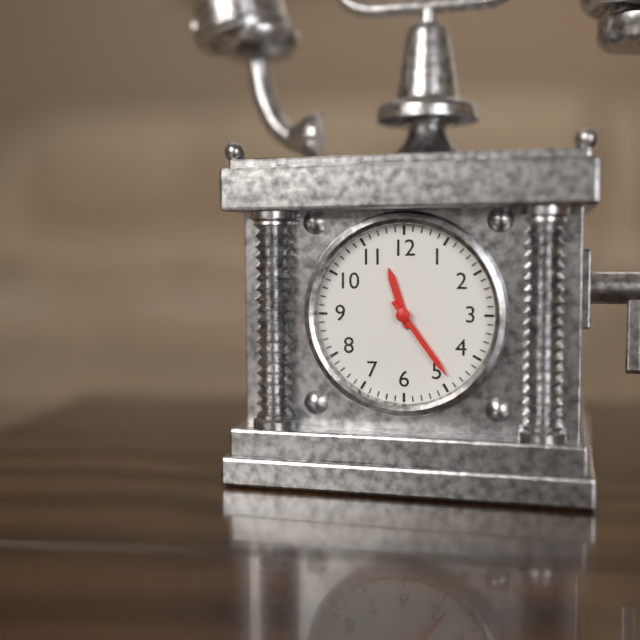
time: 11:24
